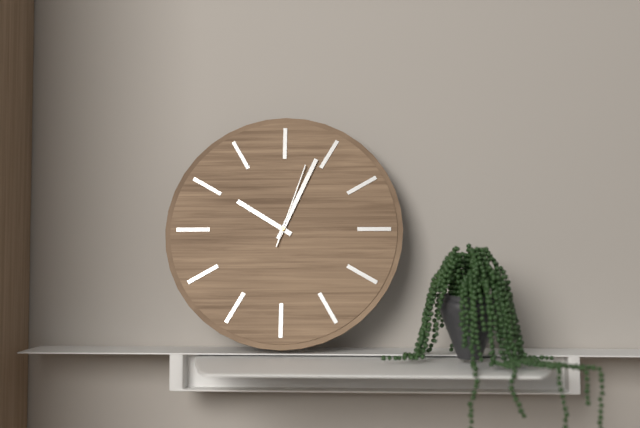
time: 10:04:03
